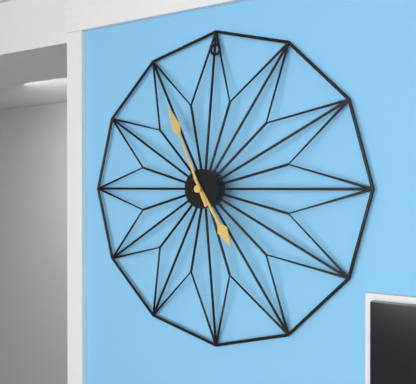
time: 4:56
